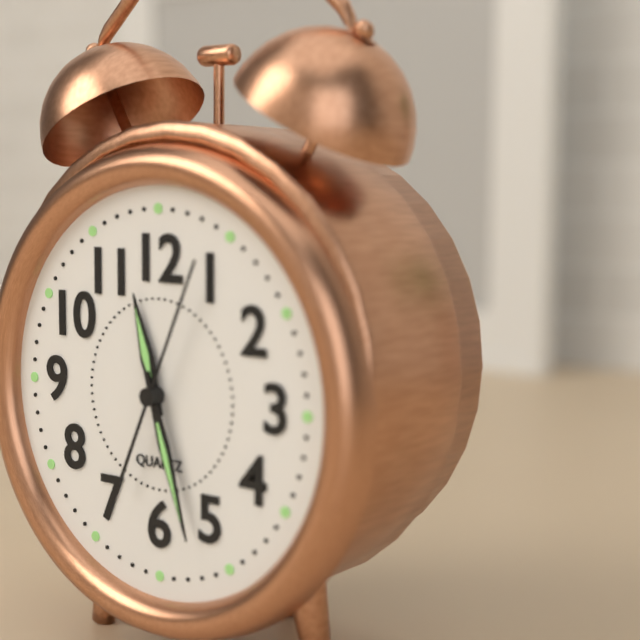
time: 11:27:04
